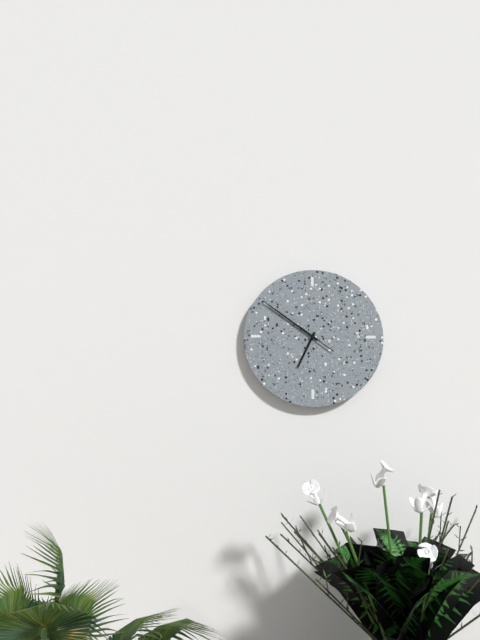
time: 6:51:51
